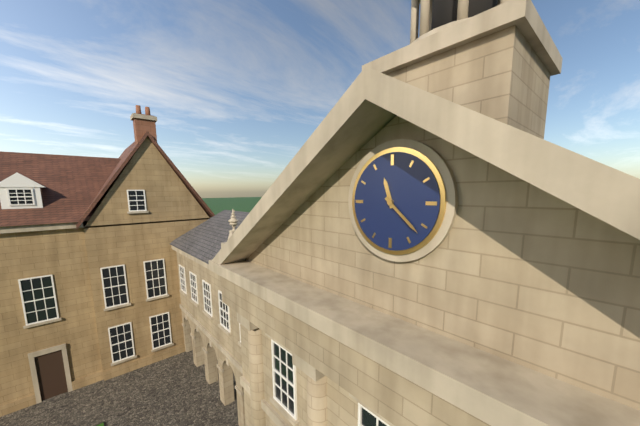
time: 11:22
